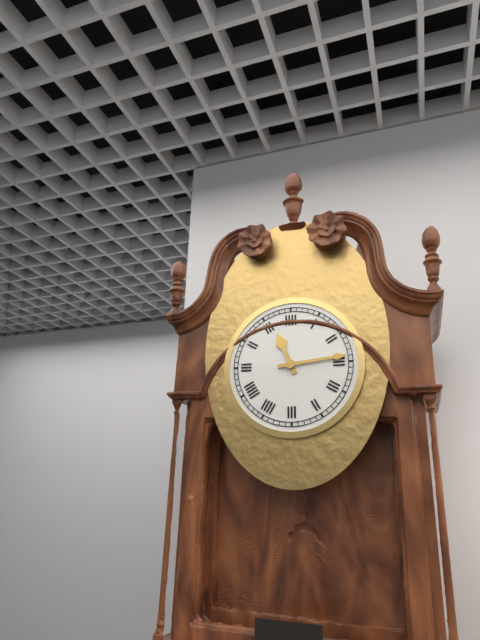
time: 11:14
